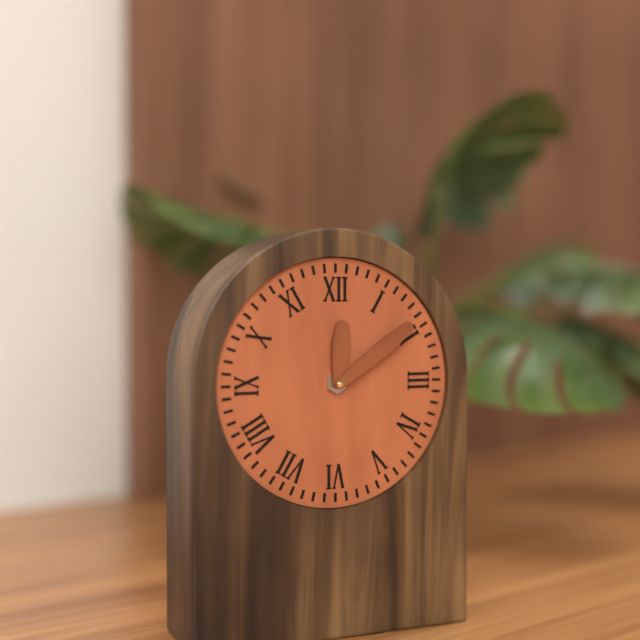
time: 12:09
